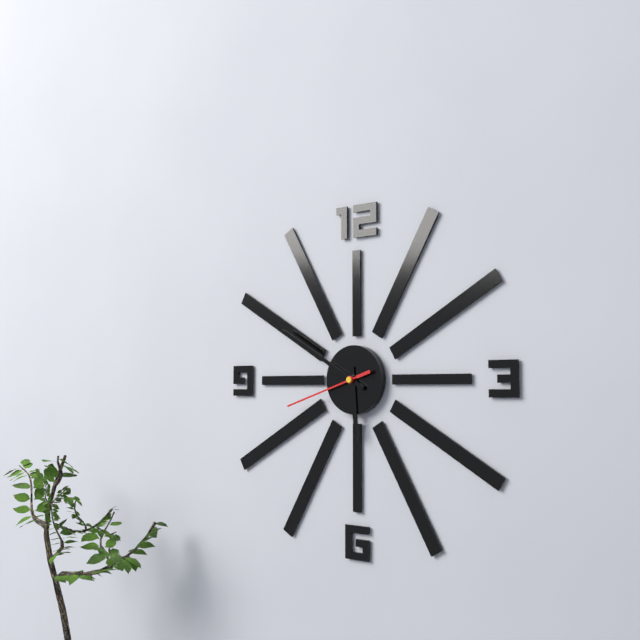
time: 5:50:42
